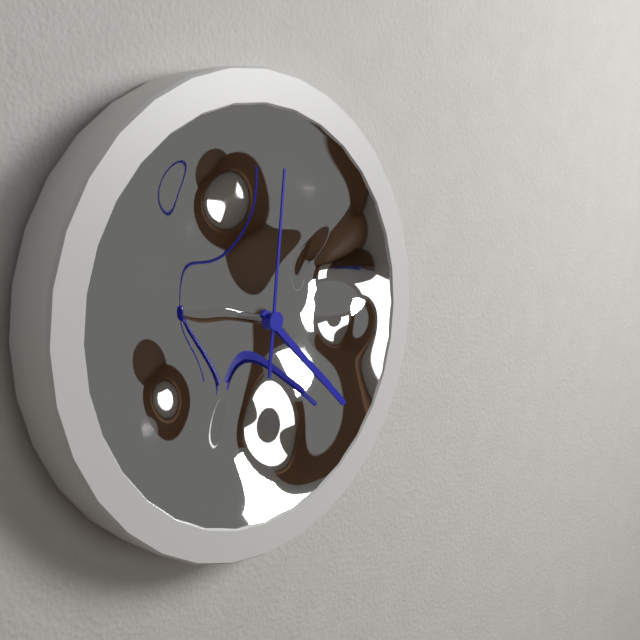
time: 4:22:01
